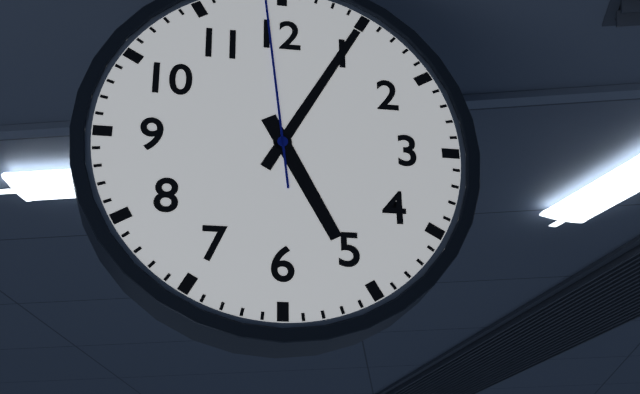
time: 5:05
